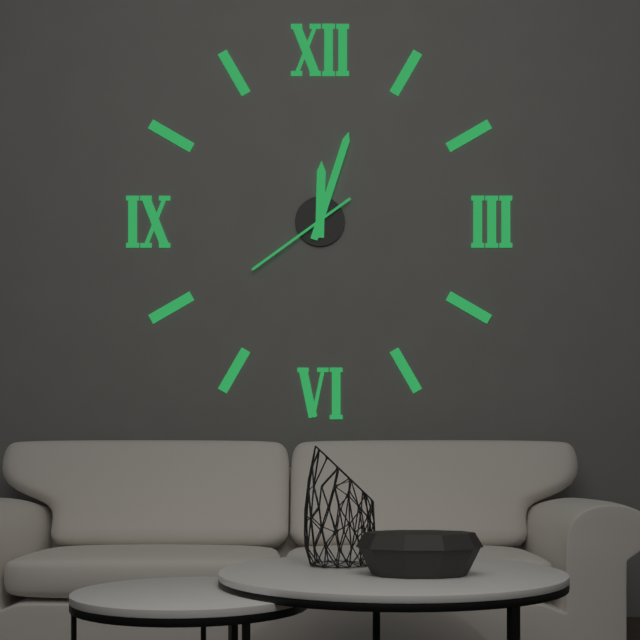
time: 12:03:39
